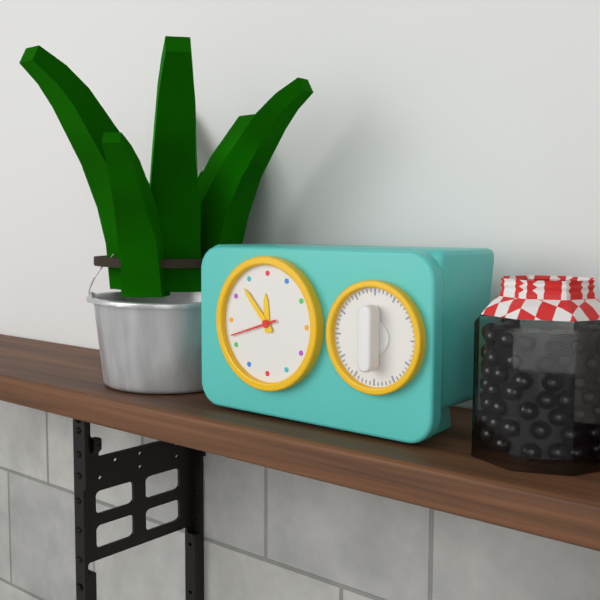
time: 11:53
